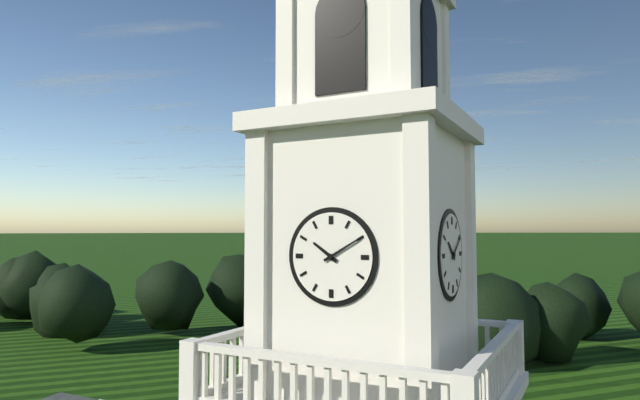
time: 10:10
